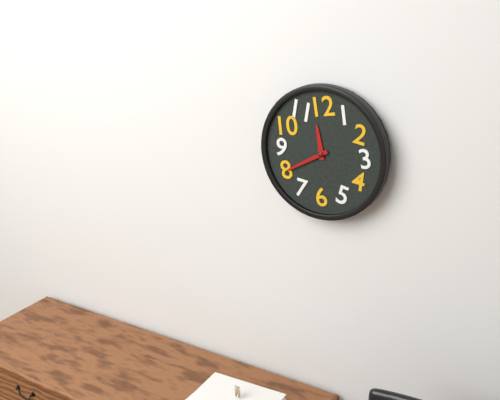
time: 11:40
